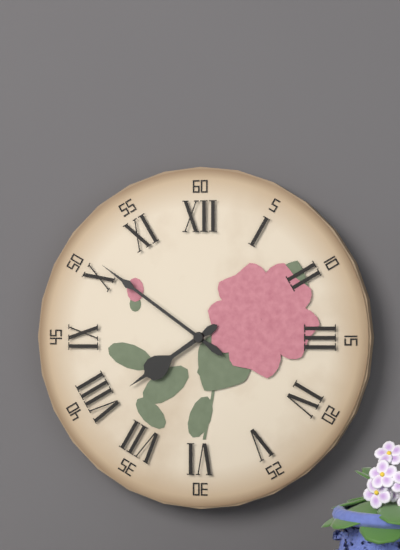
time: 7:51
